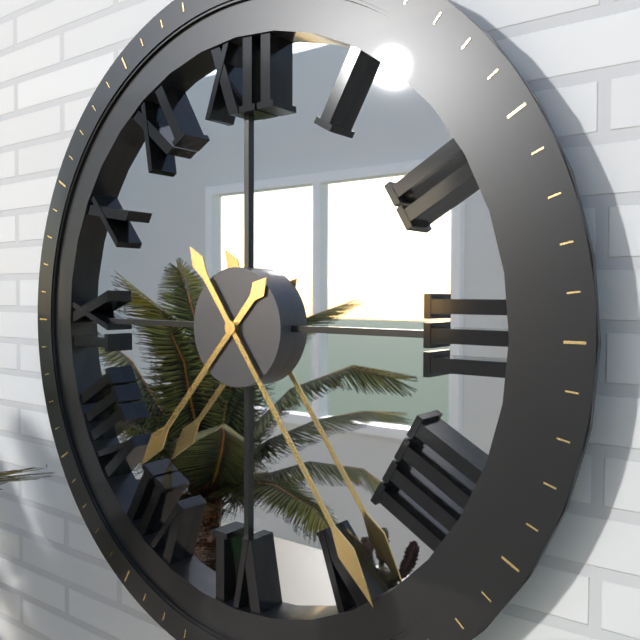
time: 7:24
